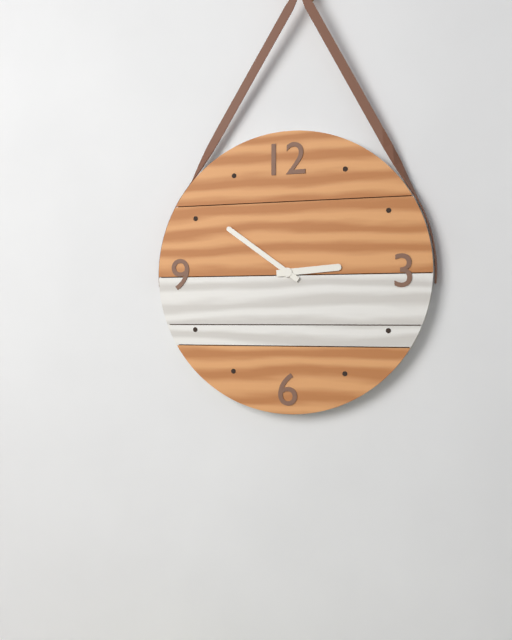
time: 2:51
